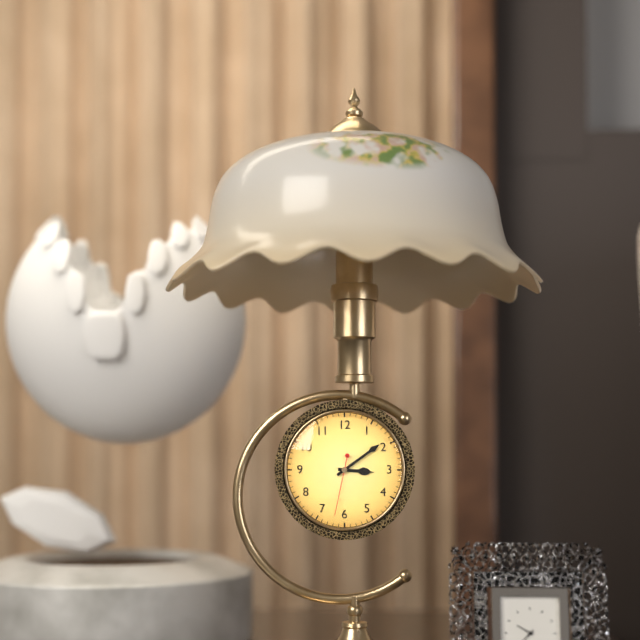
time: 3:09:32
